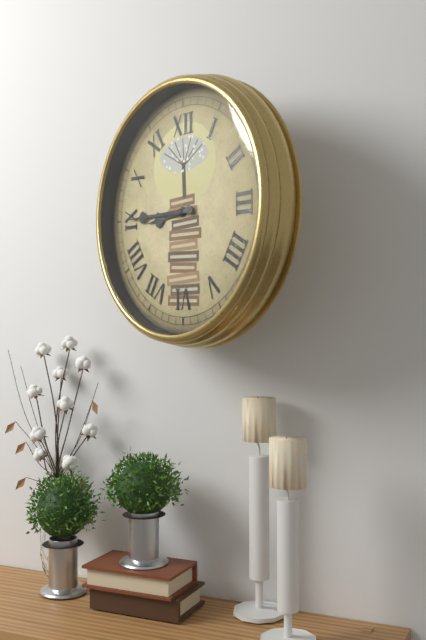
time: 8:45
